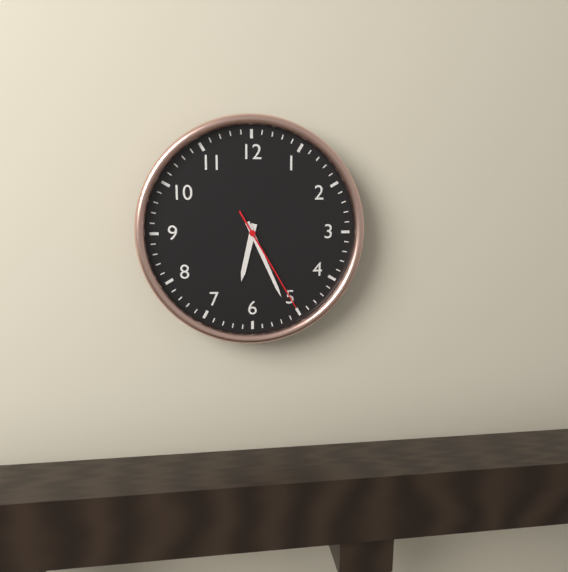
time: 6:26:25
